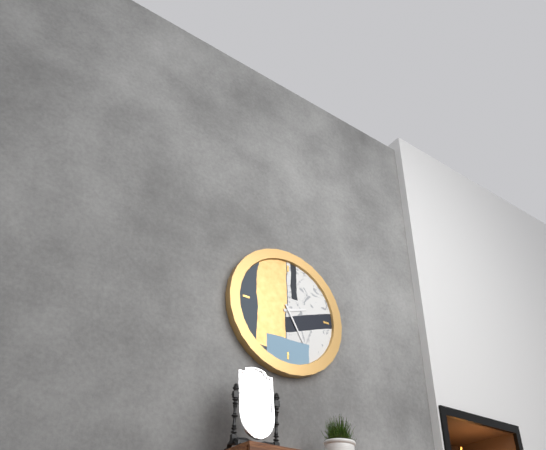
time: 2:25
